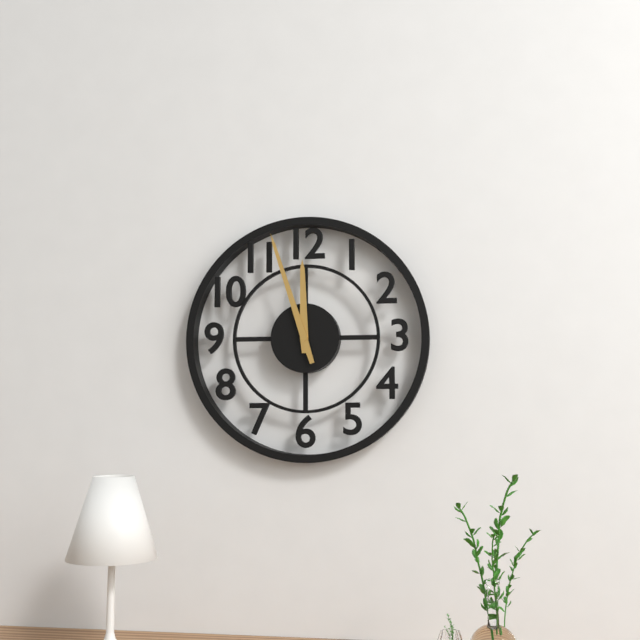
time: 11:57
